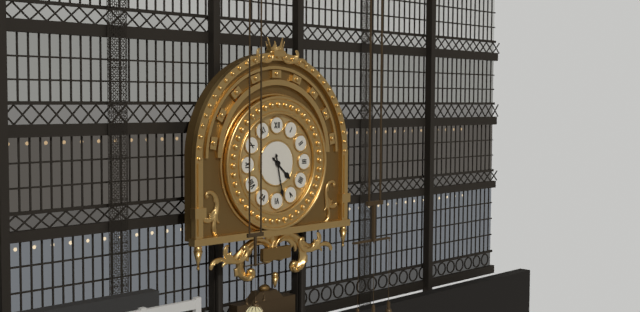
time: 4:28
